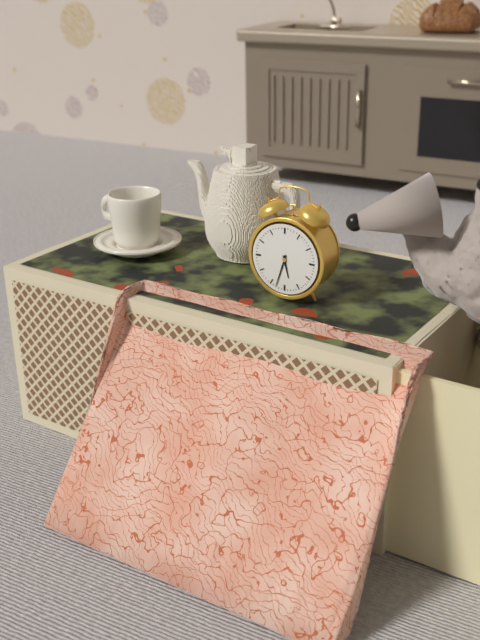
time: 5:33
